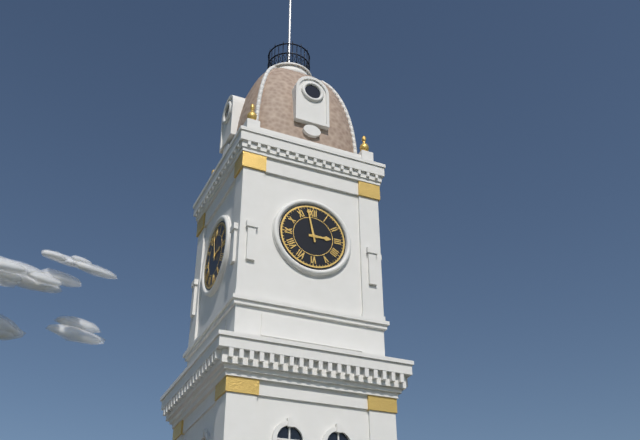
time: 2:58
